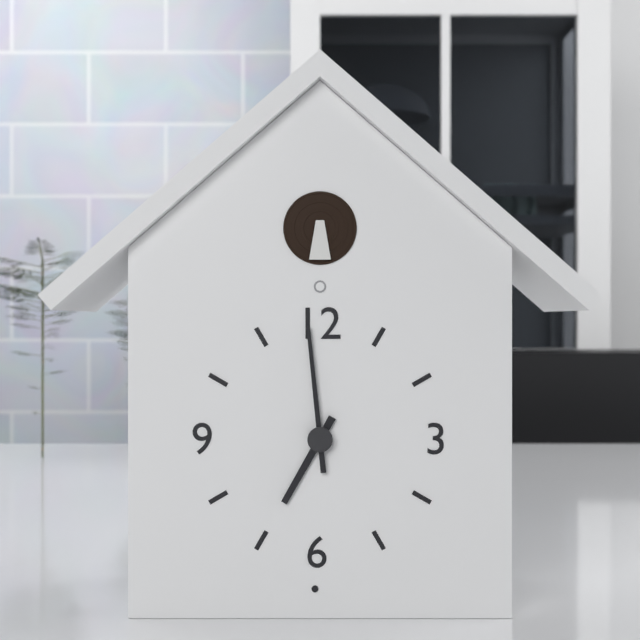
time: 6:59
